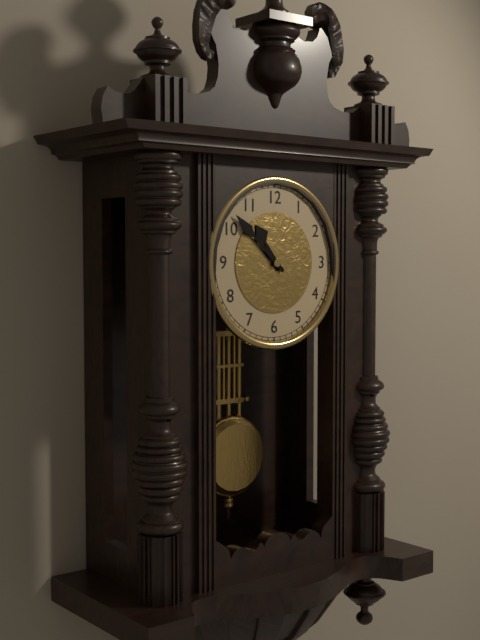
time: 10:52
